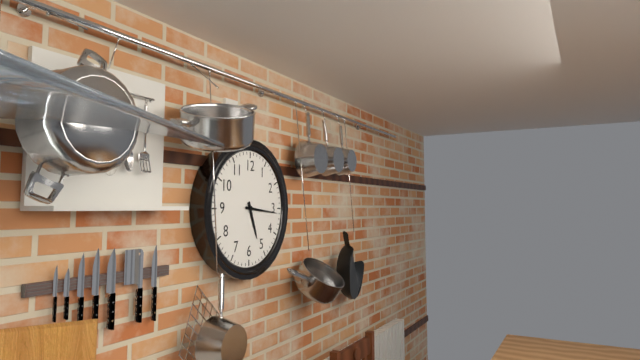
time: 5:16
